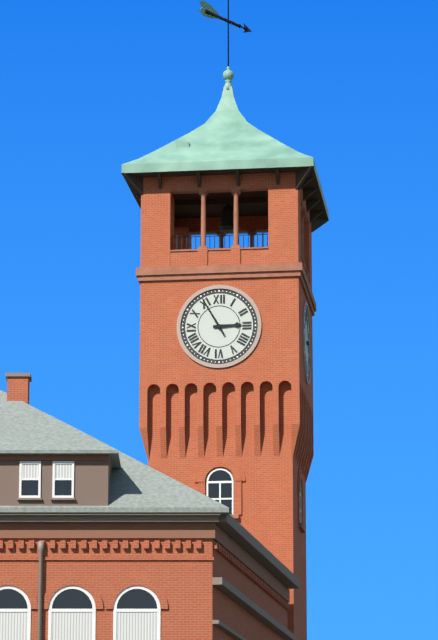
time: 2:55
